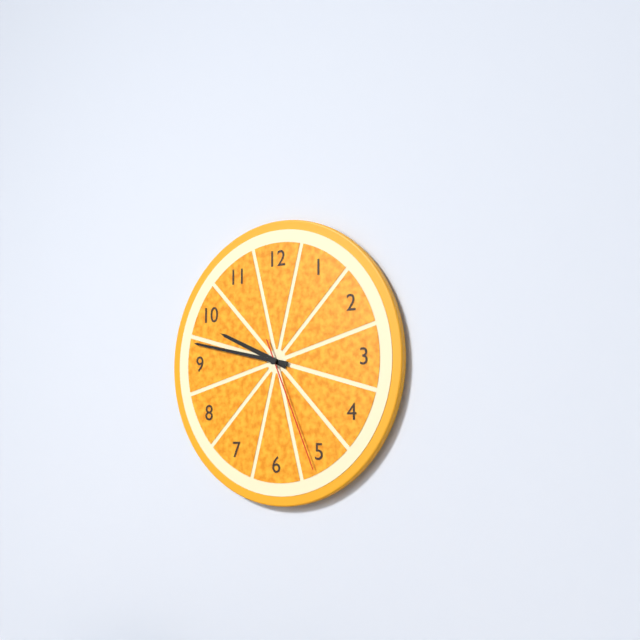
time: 9:47:26
